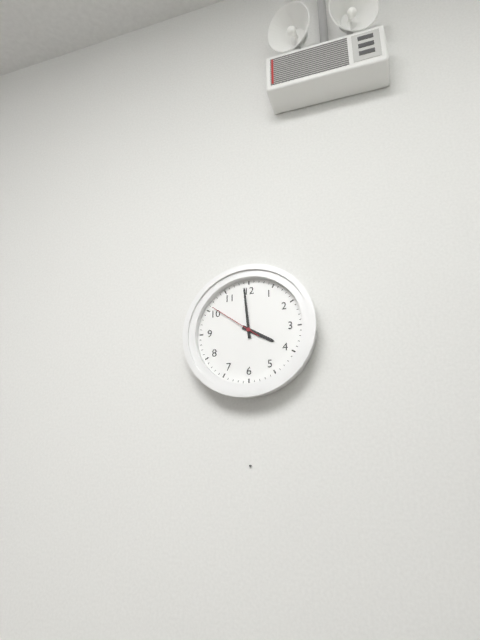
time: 3:59:51
